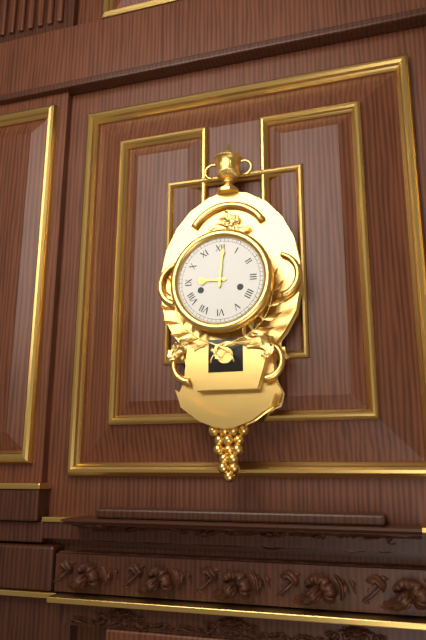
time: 9:01
